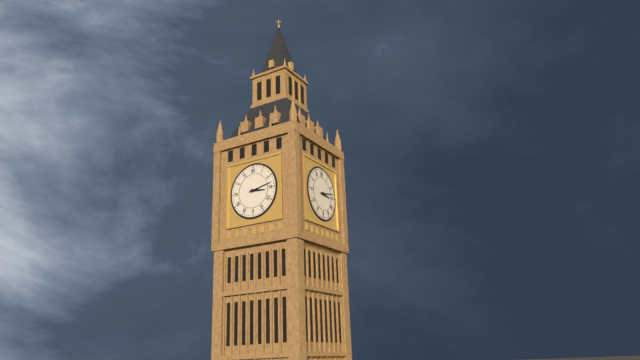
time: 3:13
